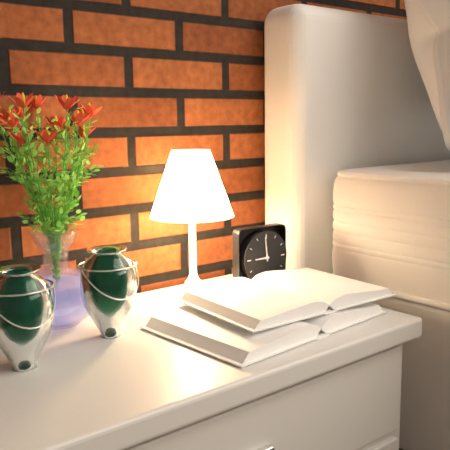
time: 8:59
